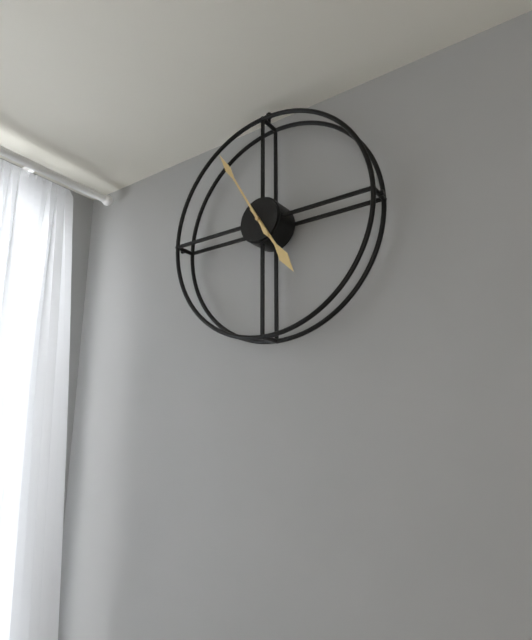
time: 4:55
